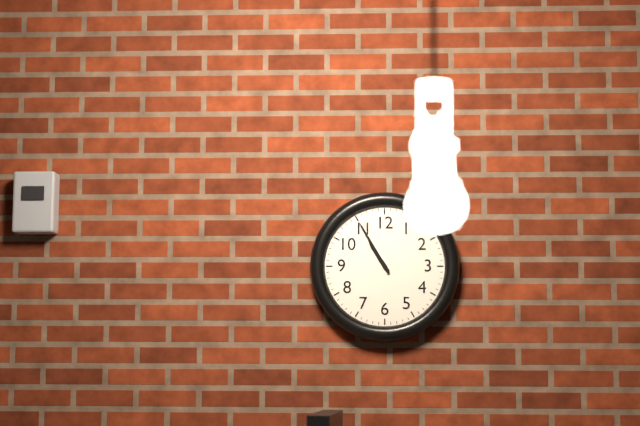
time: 10:55
